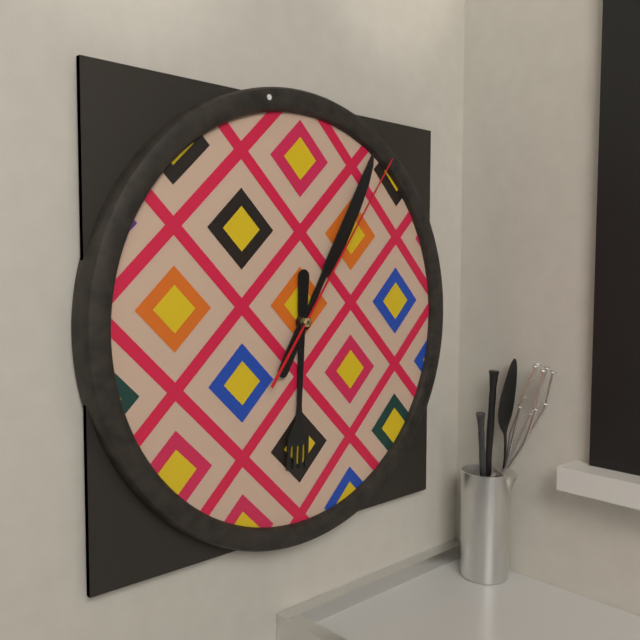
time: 6:05:06
